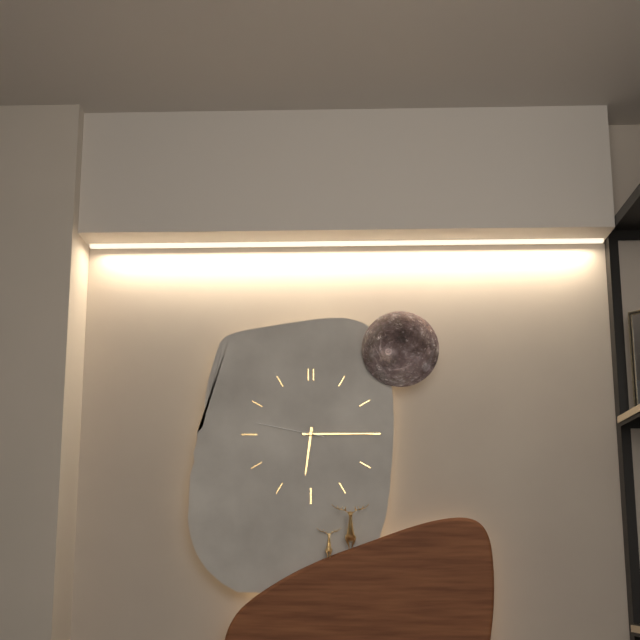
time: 6:15:47
